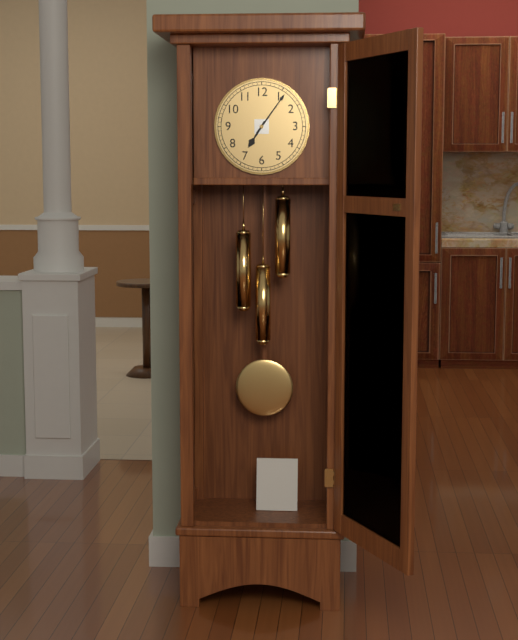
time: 7:06
